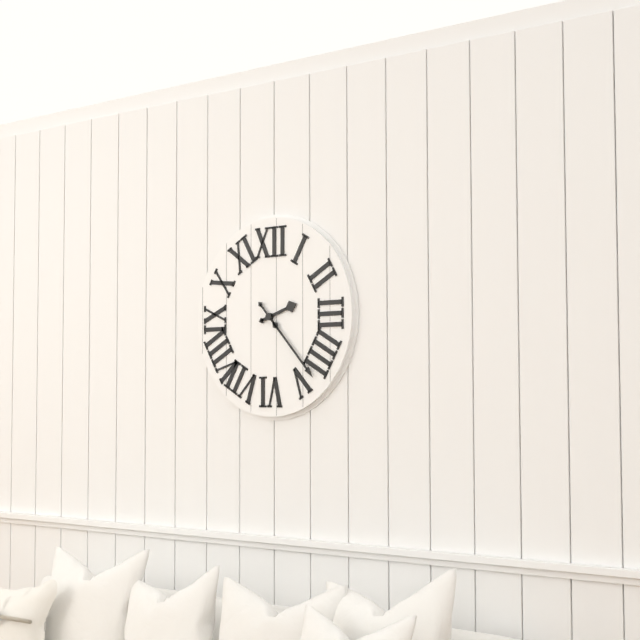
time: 2:23
